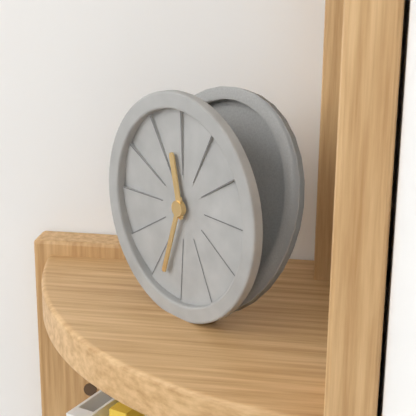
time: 11:33
